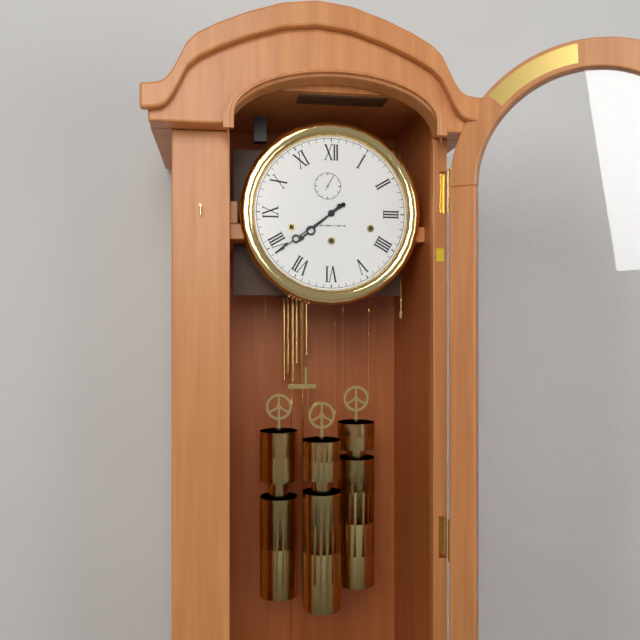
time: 7:39
